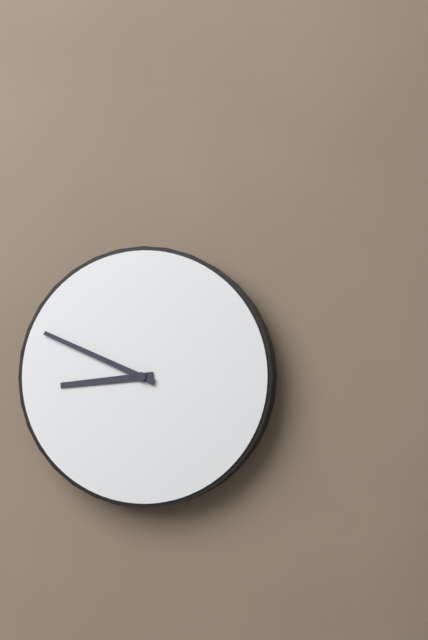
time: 8:49
